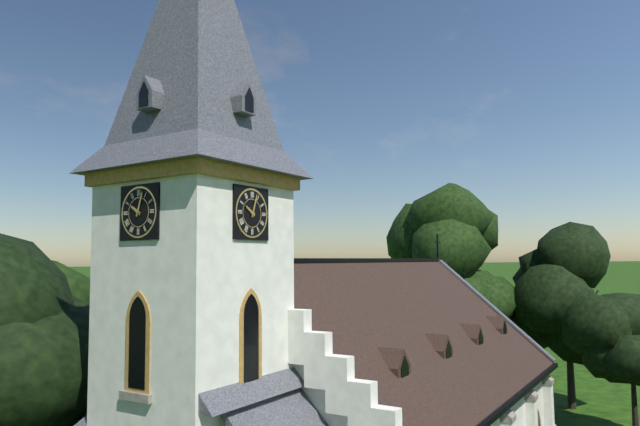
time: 10:03
